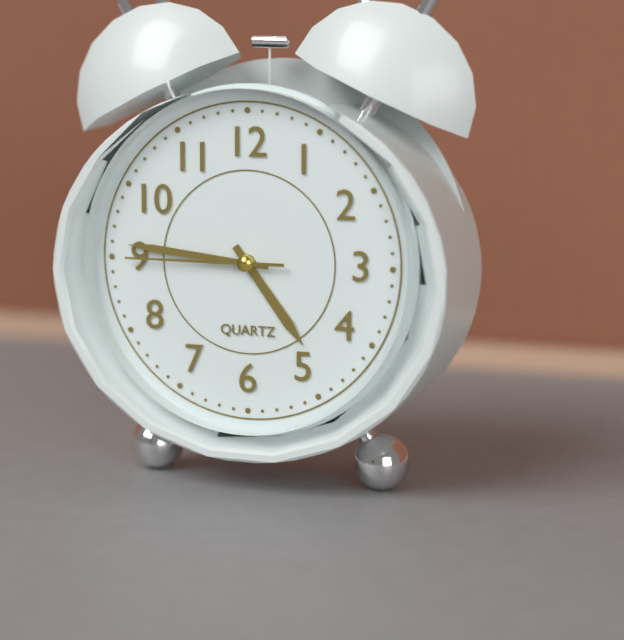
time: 4:46:45
